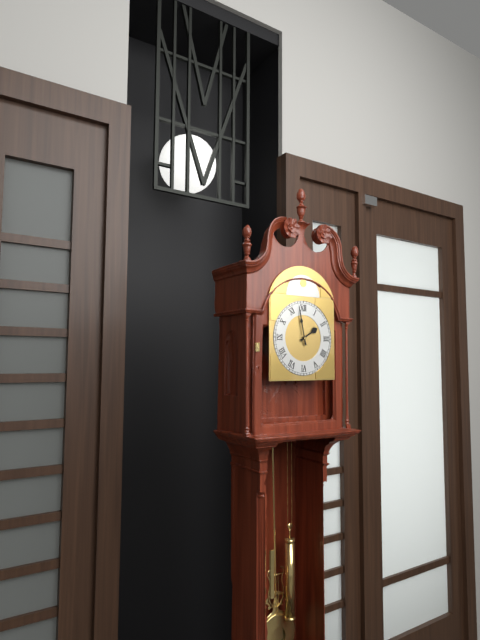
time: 1:58
